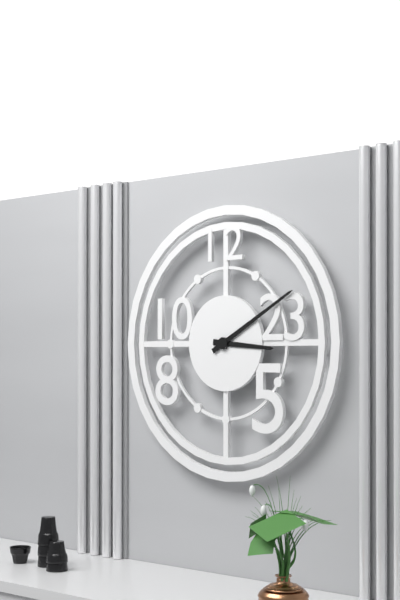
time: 3:10
